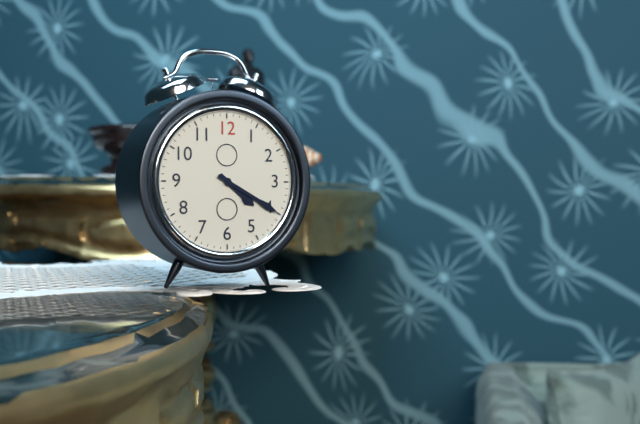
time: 4:20
